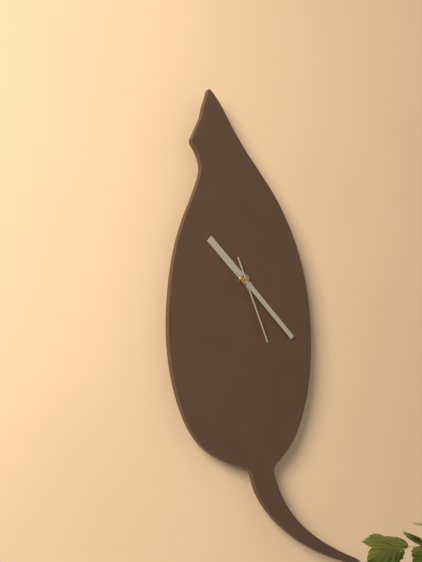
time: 10:22:26
